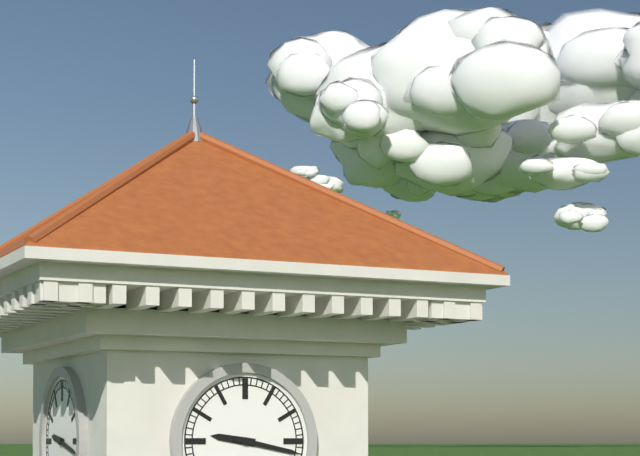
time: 9:17
